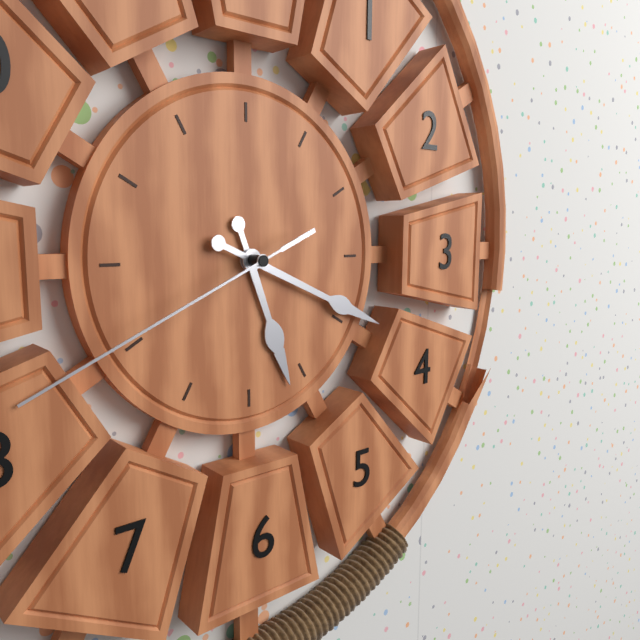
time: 5:19:41
